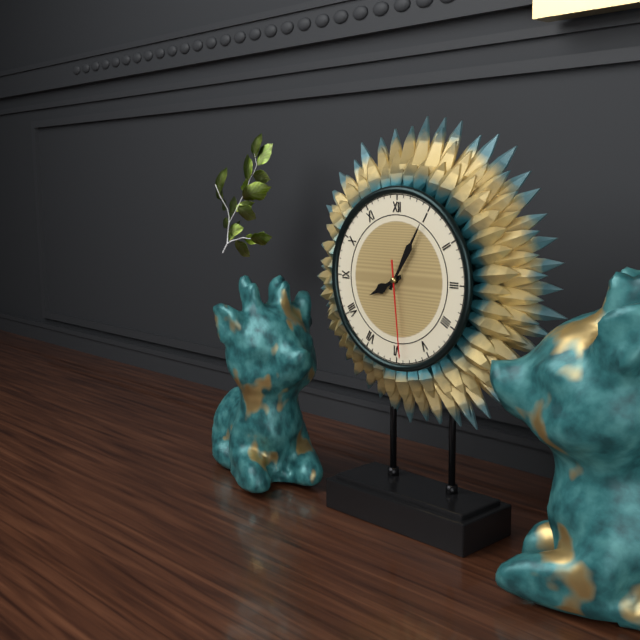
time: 8:05:29
